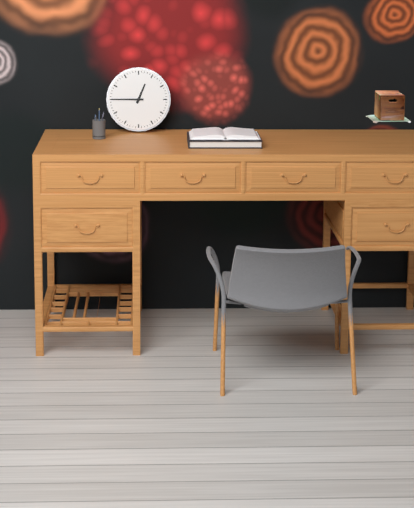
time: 12:45
